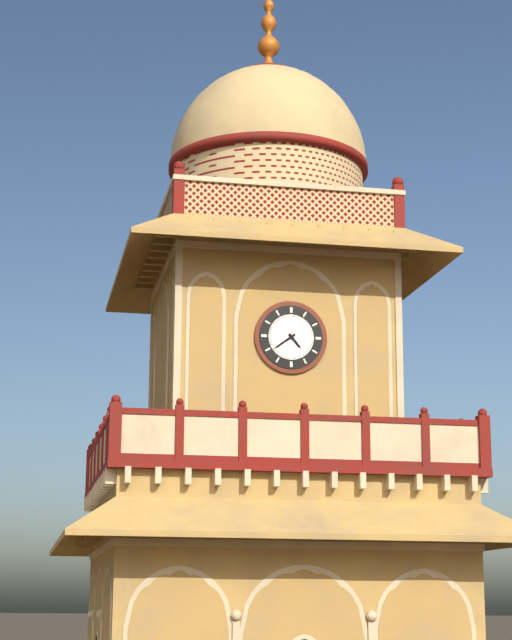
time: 4:39
